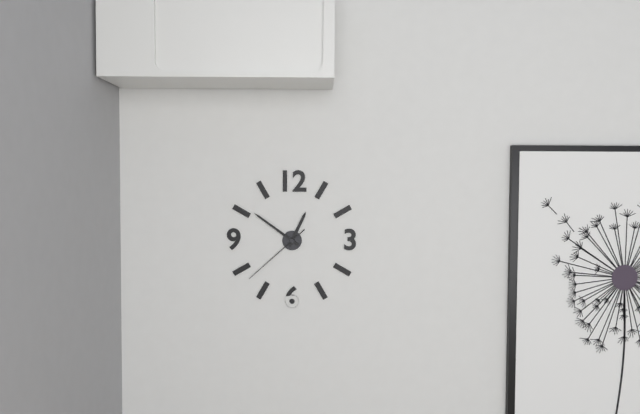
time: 12:51:38
